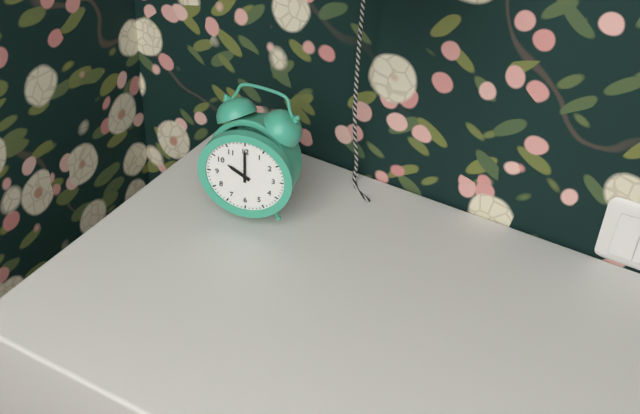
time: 10:00
